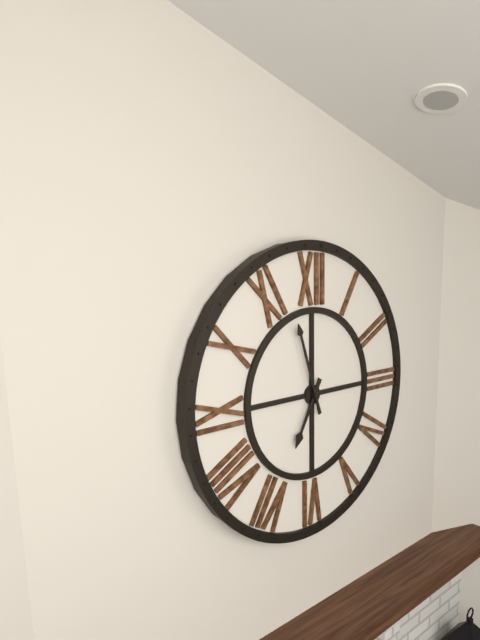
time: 6:57
